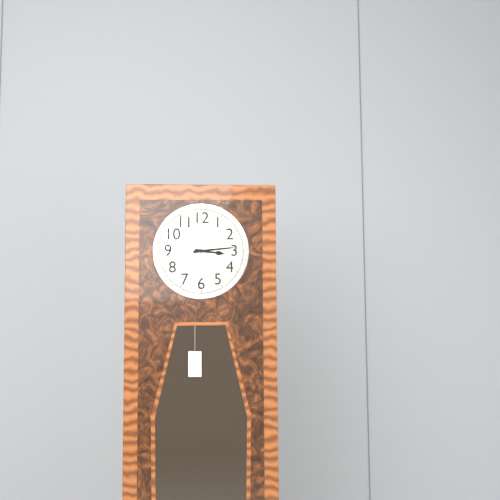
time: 3:14
